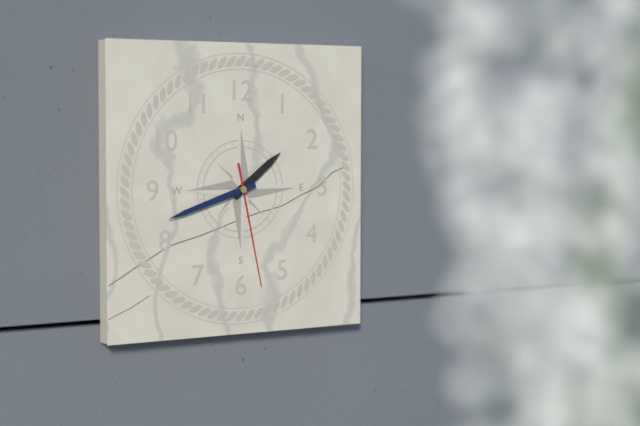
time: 1:42:28
